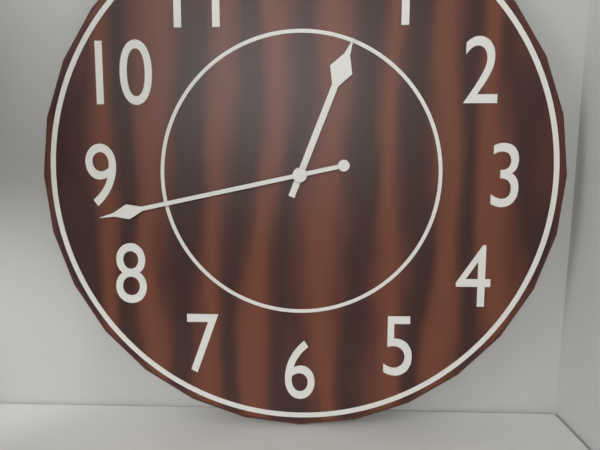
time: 12:43
